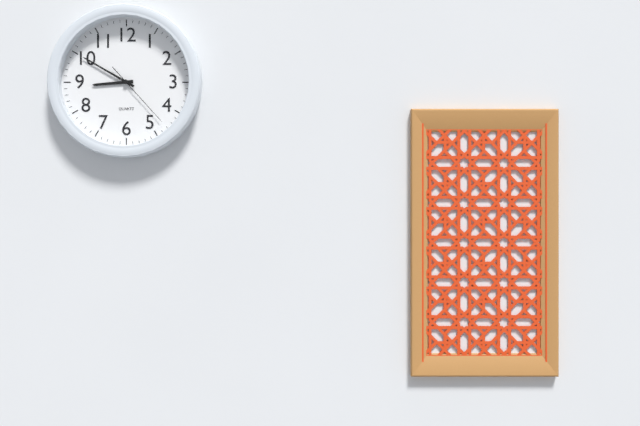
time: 8:50:23
